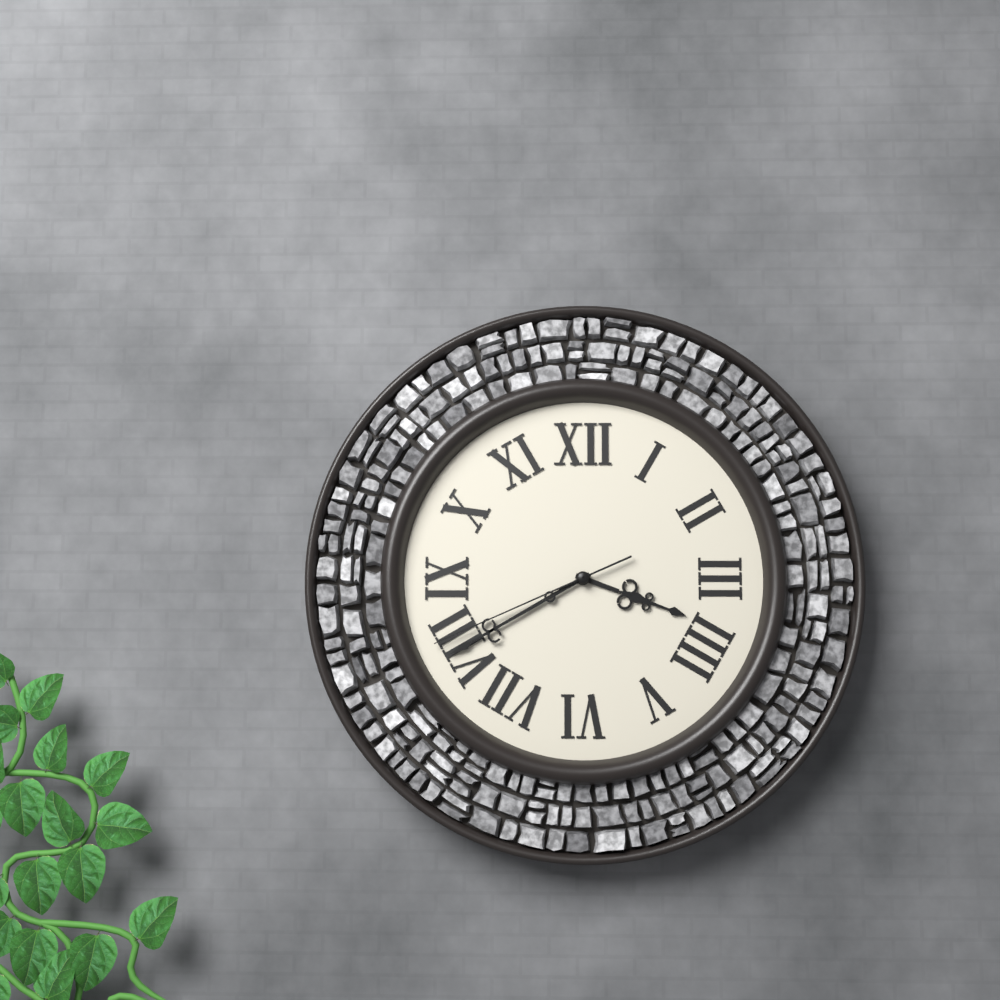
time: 3:40:41
